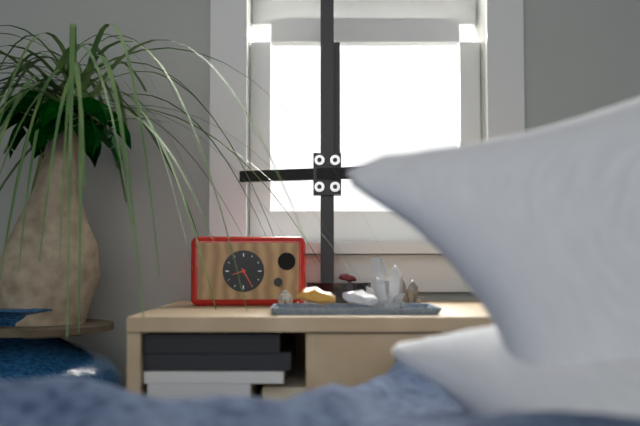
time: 8:25
